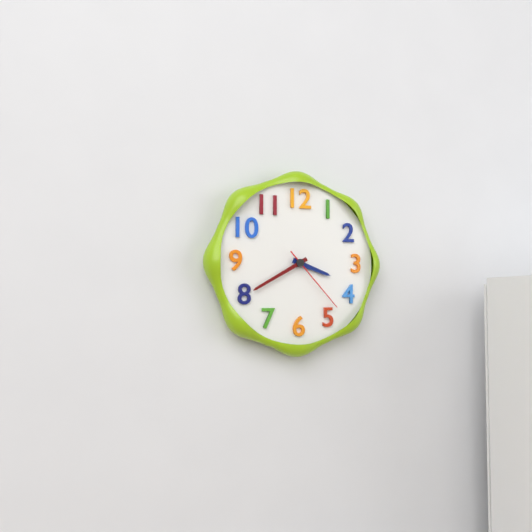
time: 3:40:23
